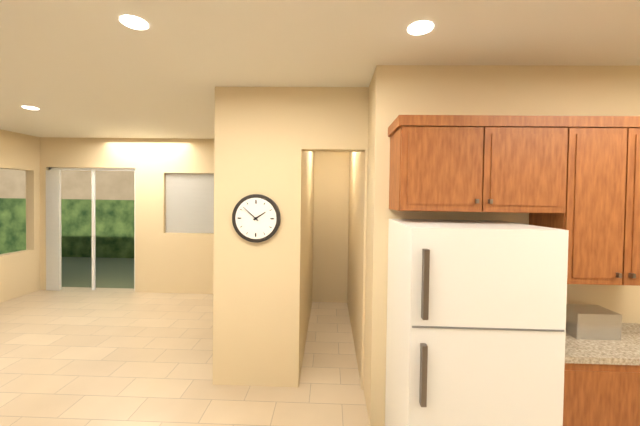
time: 1:52
